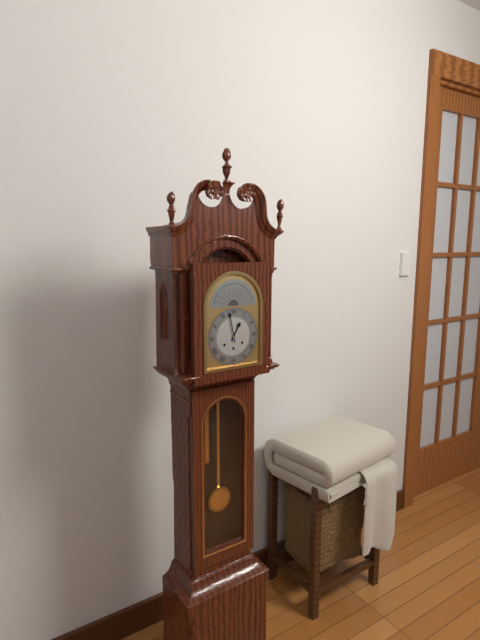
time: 12:58
